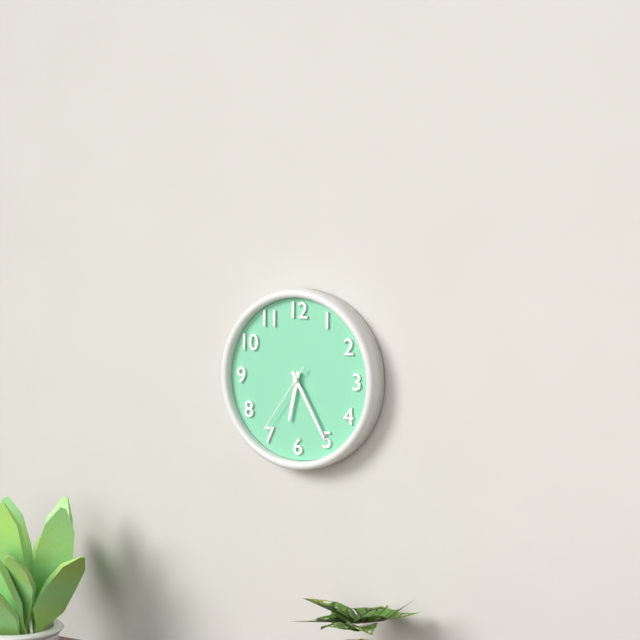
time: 6:25:36
